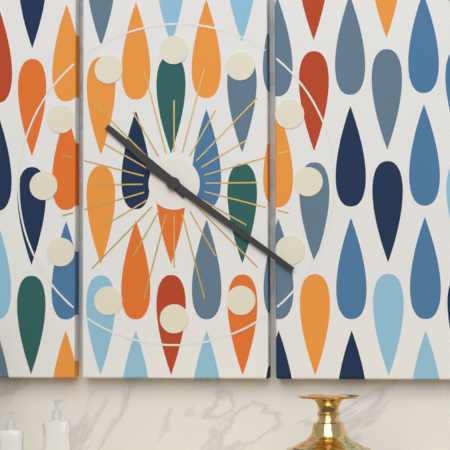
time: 10:21
